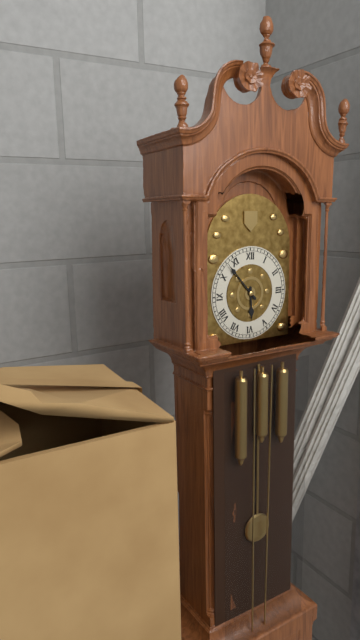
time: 5:53
